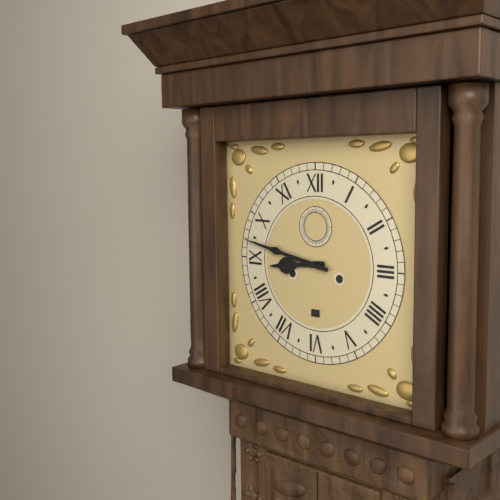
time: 8:47
